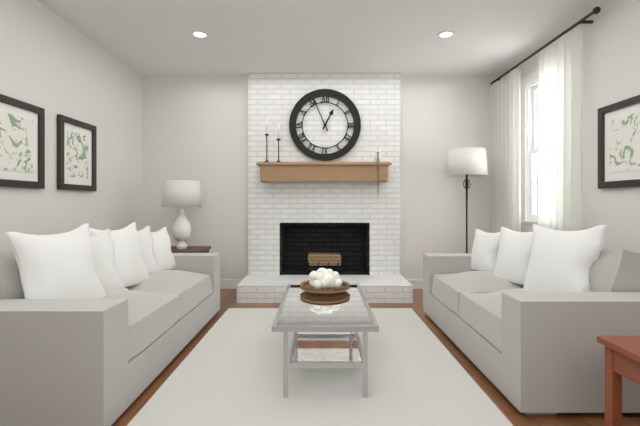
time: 12:56
